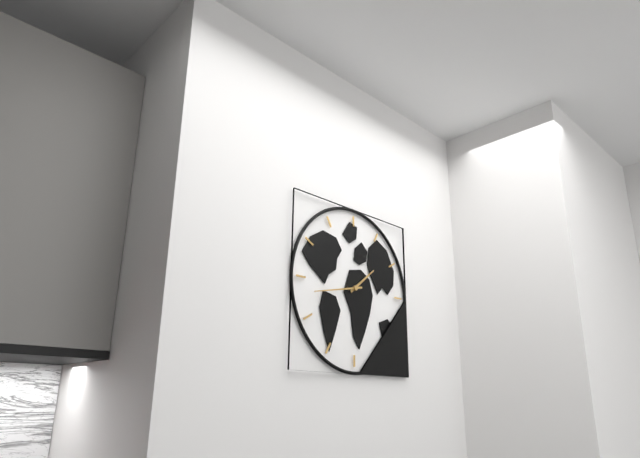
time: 1:43
